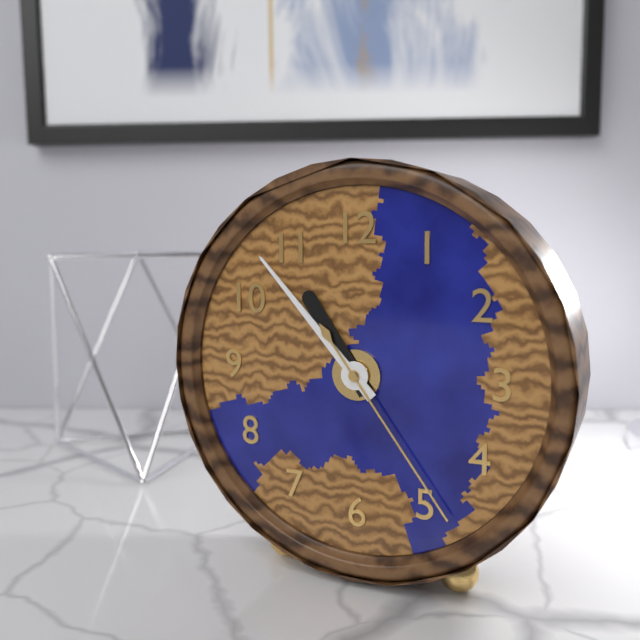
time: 10:53:24
